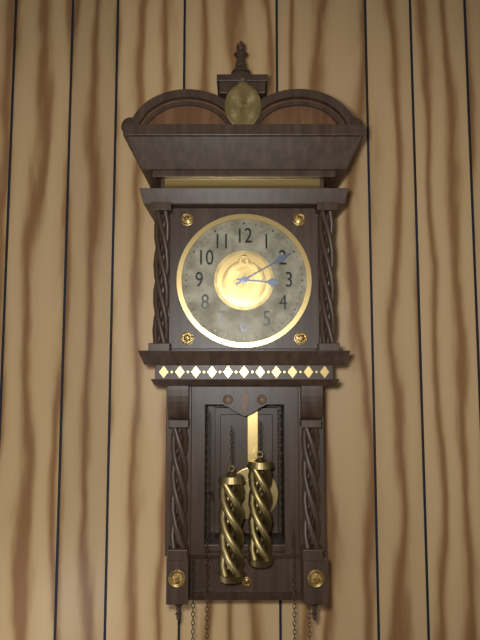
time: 3:10
